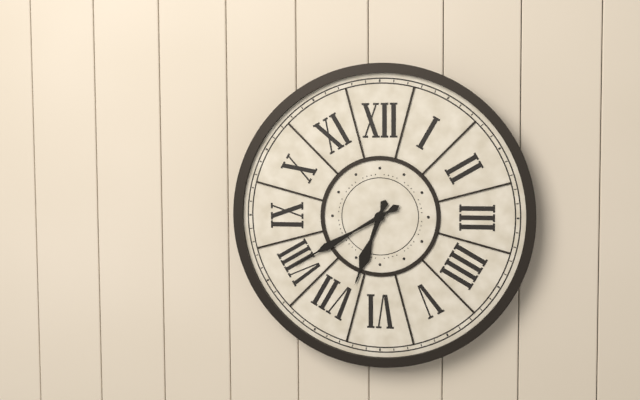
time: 6:40
